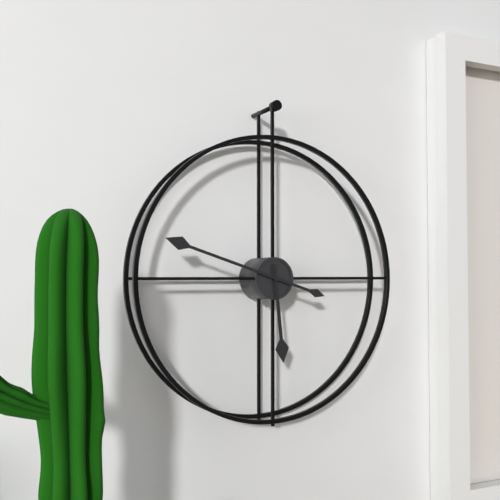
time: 5:48
